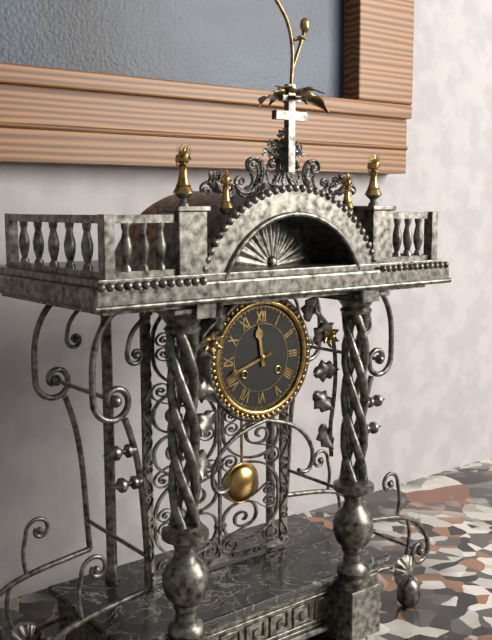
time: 11:42
